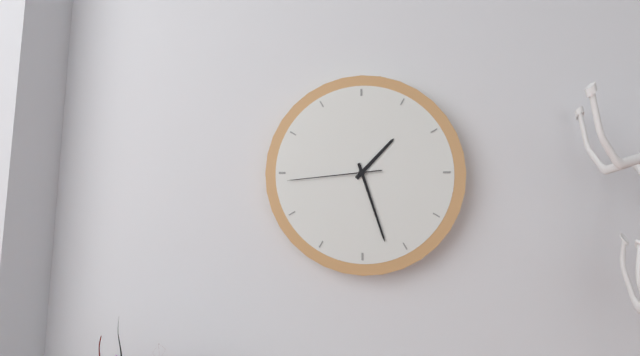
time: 1:27:44
